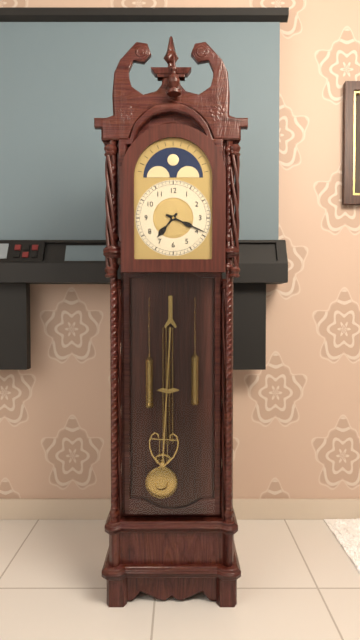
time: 7:19
